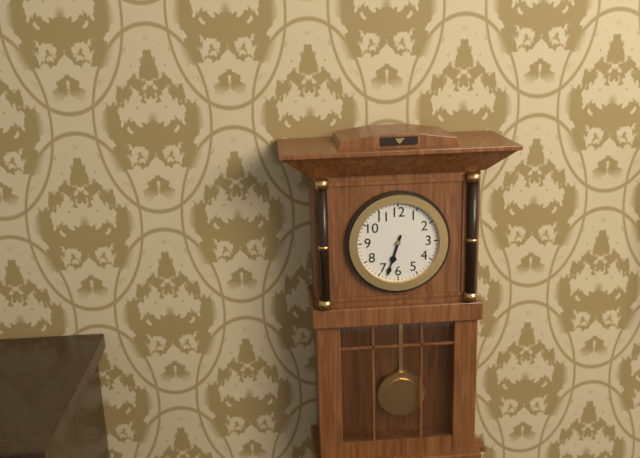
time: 6:33
